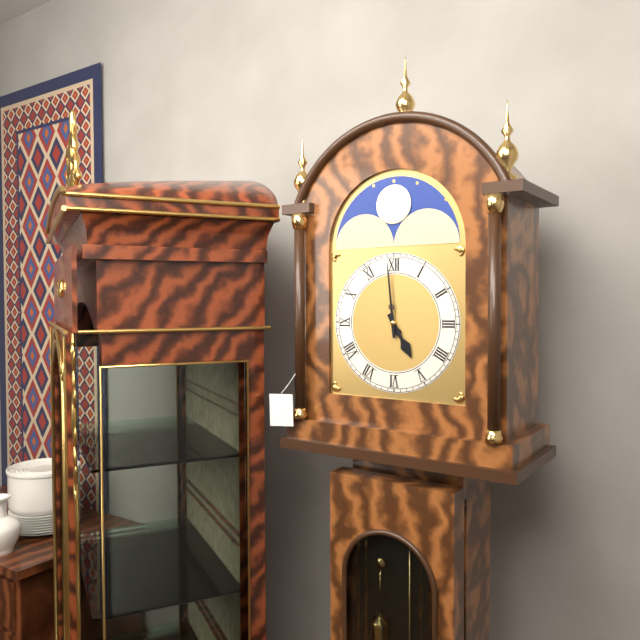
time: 4:59
